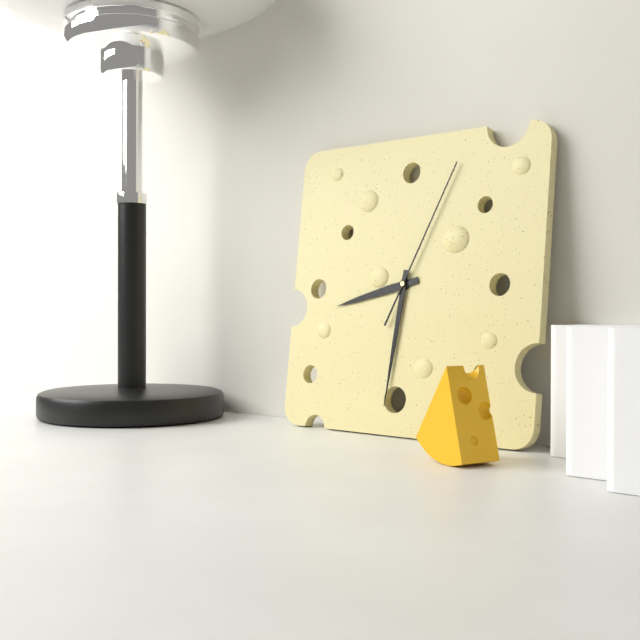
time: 8:31:04
